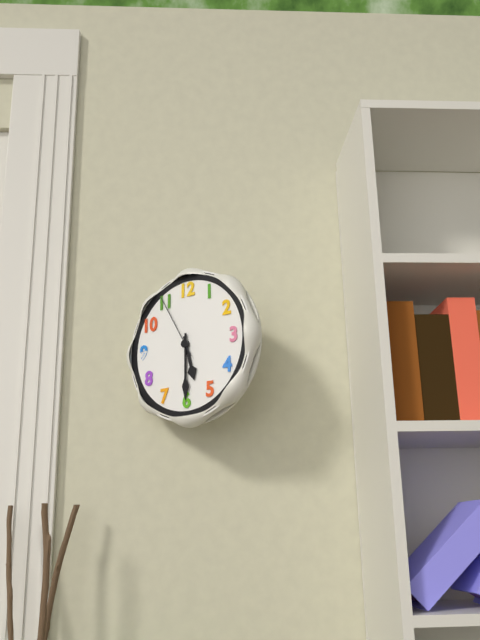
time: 5:30:55
